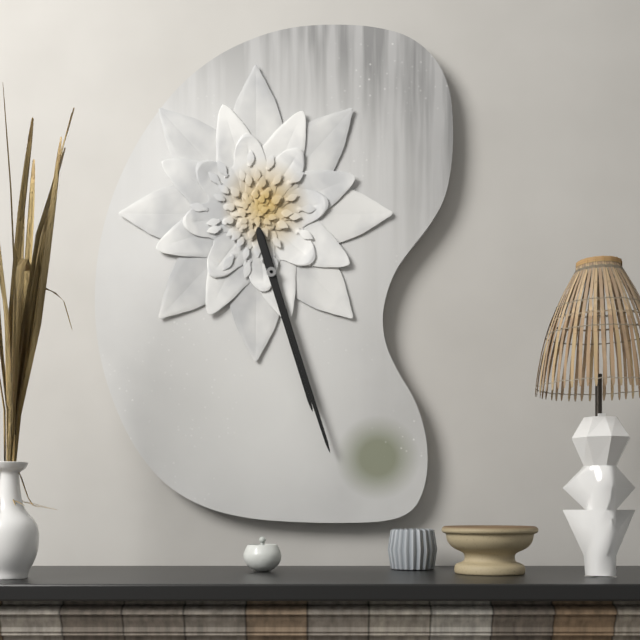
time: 5:27
